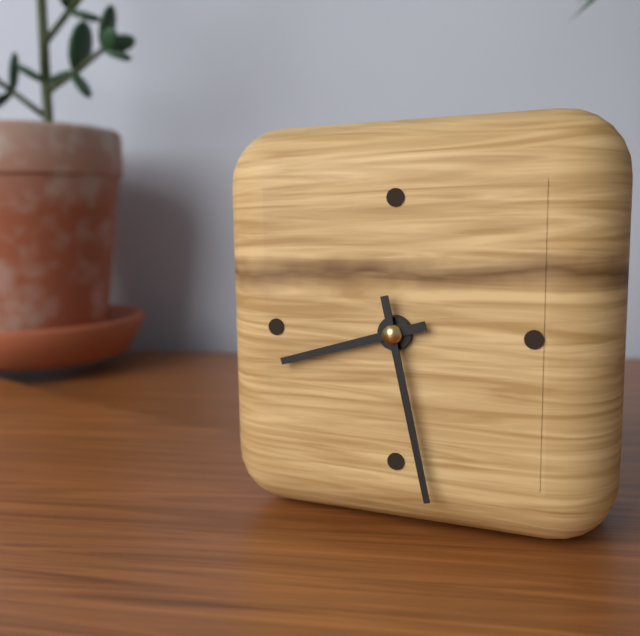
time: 8:28
